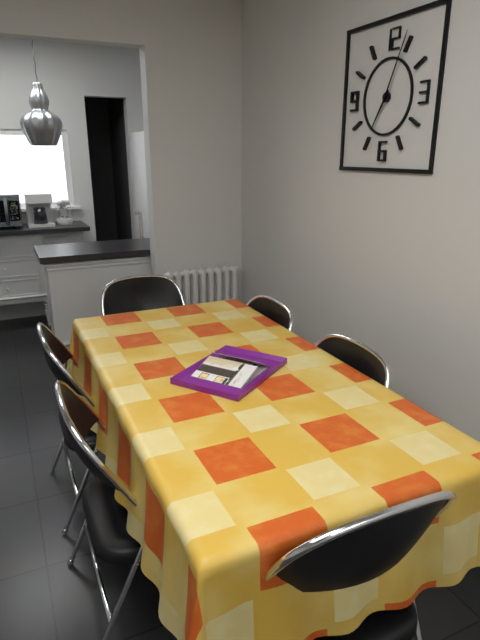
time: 7:04
